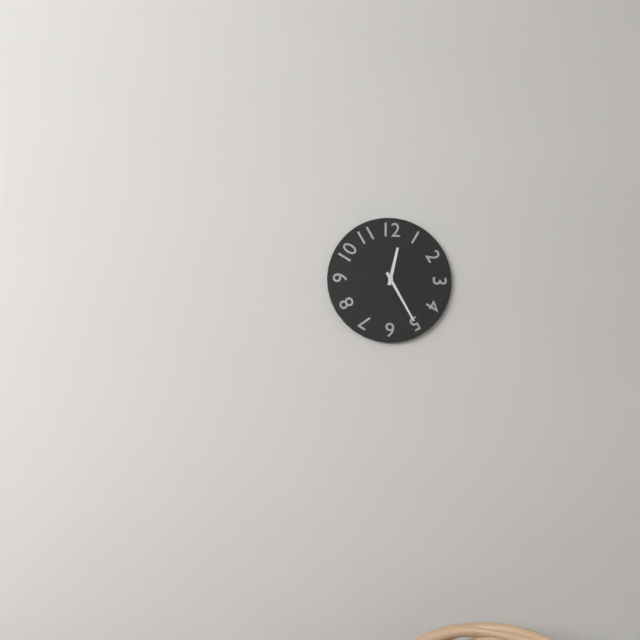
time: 12:25
